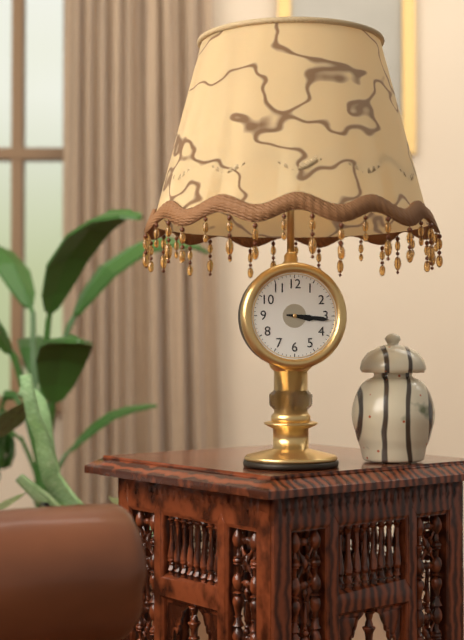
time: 3:16
